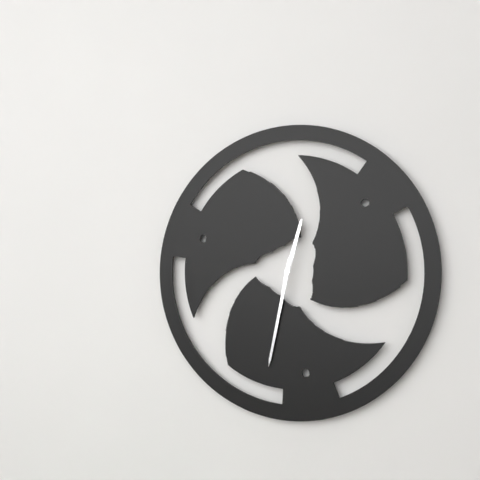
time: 12:32
